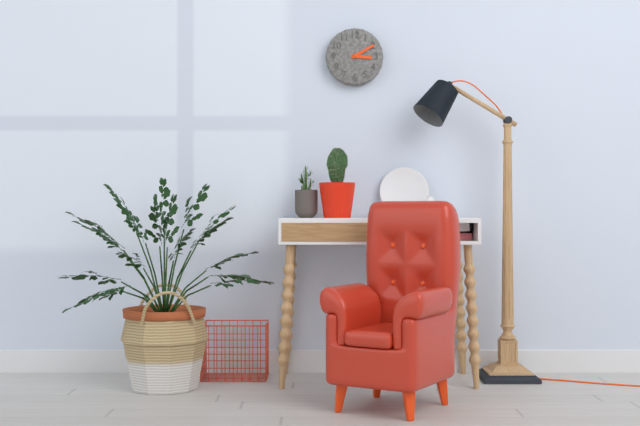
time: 3:10
